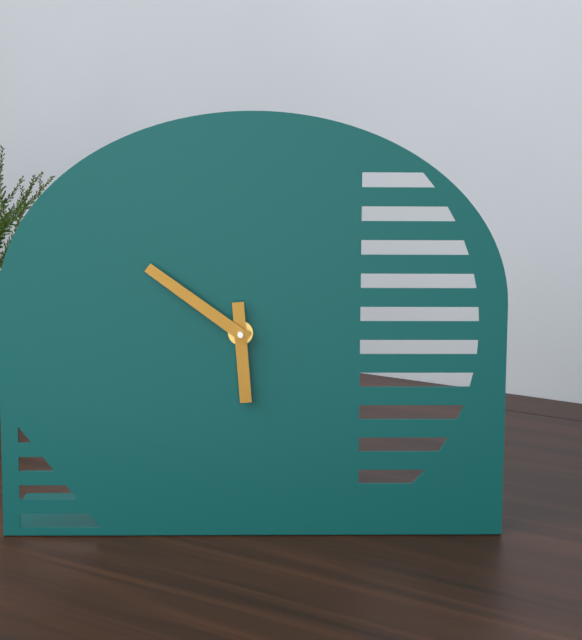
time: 5:51
